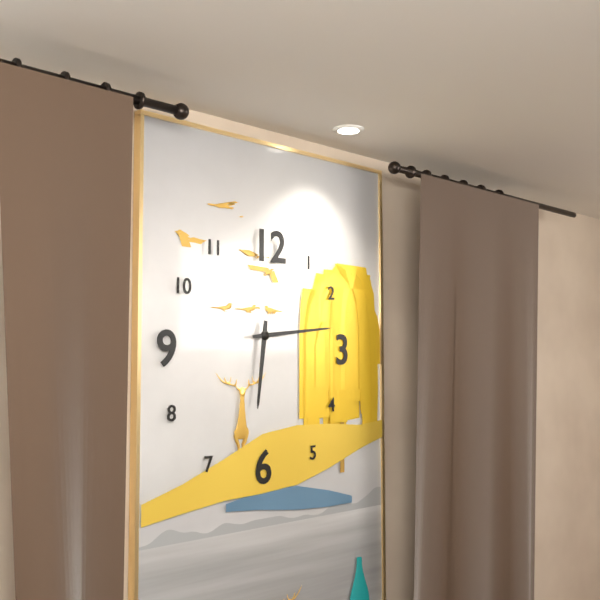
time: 6:14
